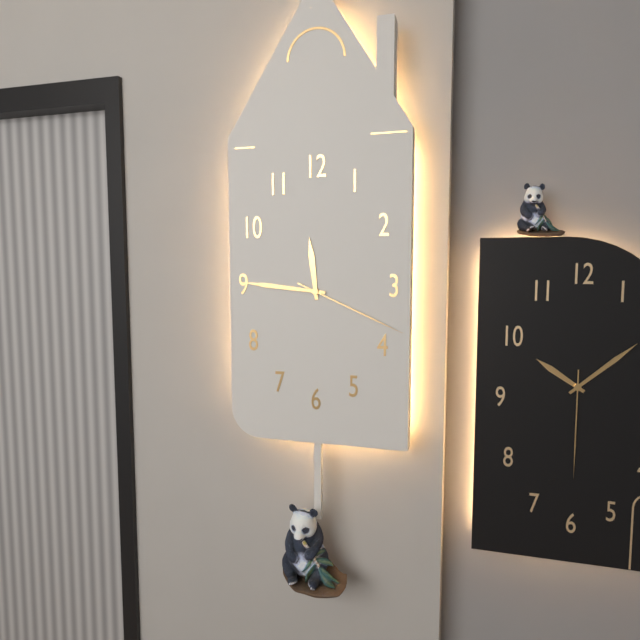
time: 11:46:19
